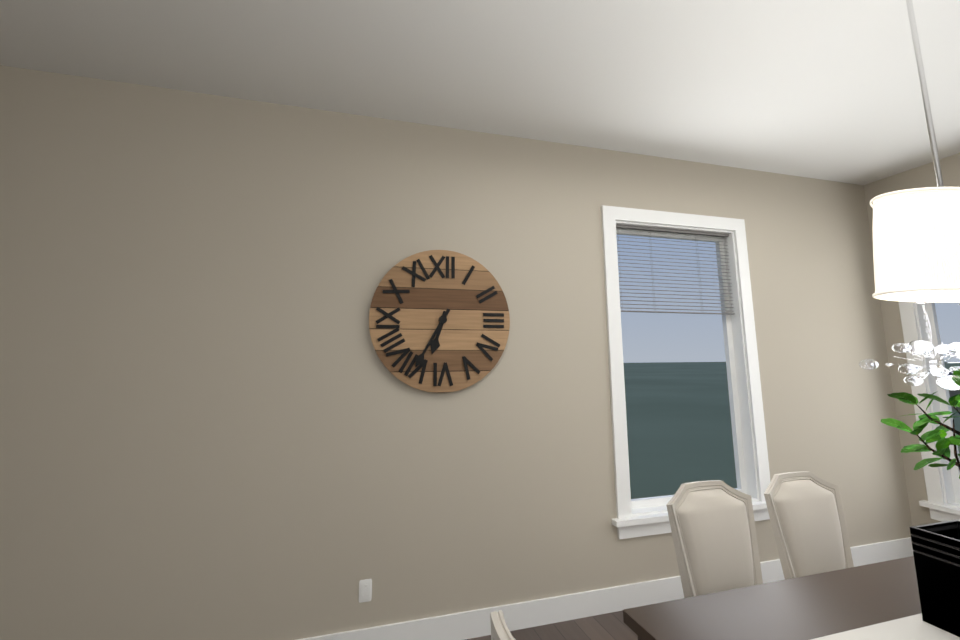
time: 6:35
